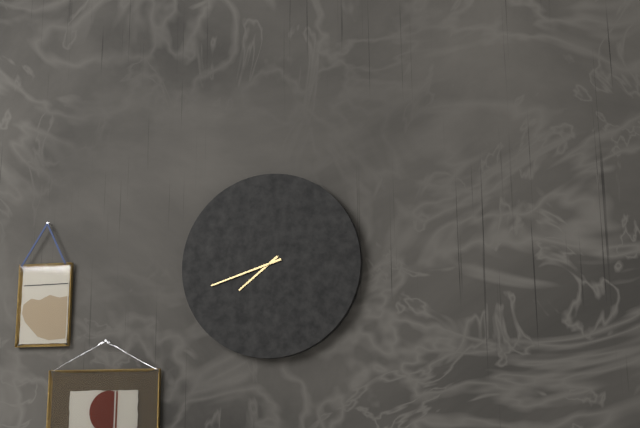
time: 7:42
